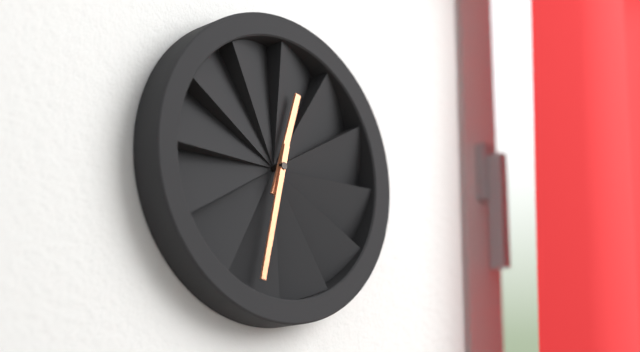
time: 12:32
